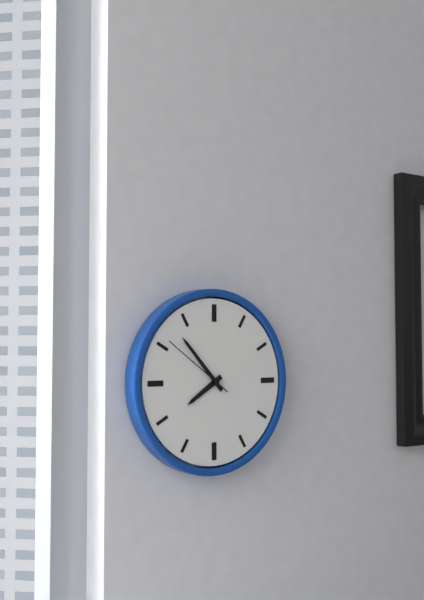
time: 7:53:51
